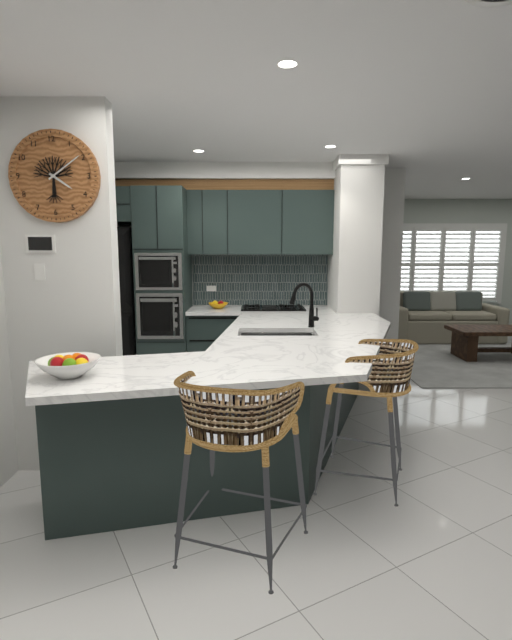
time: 4:09
